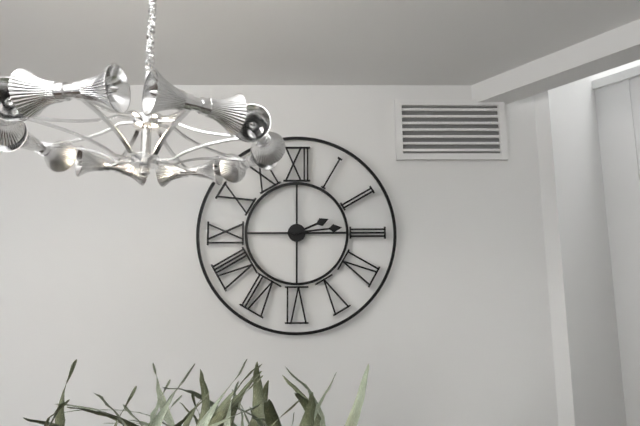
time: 2:14
